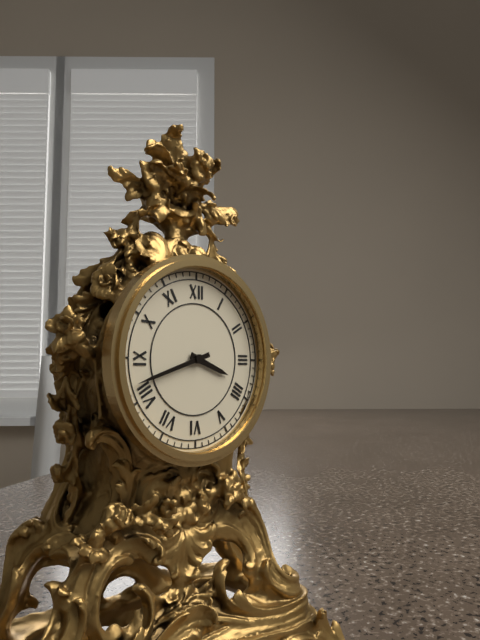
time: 3:42
